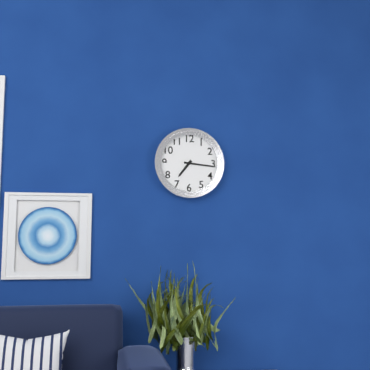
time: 7:16
